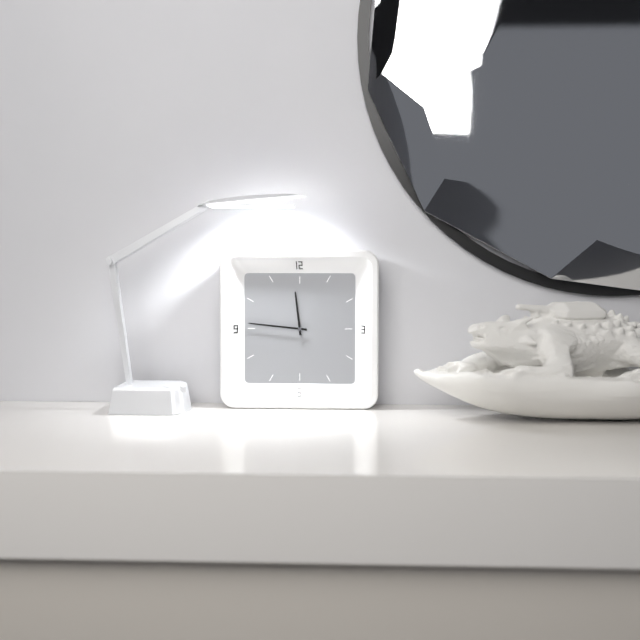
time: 11:46
